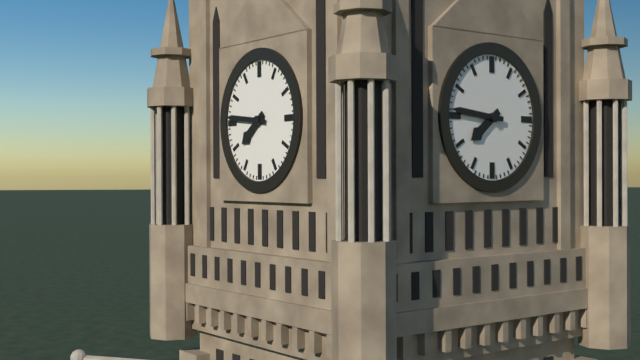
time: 7:46
